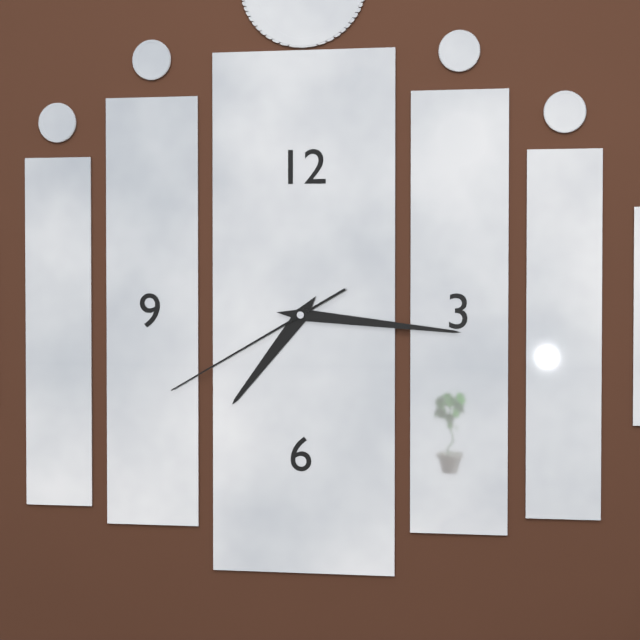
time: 7:16:40
